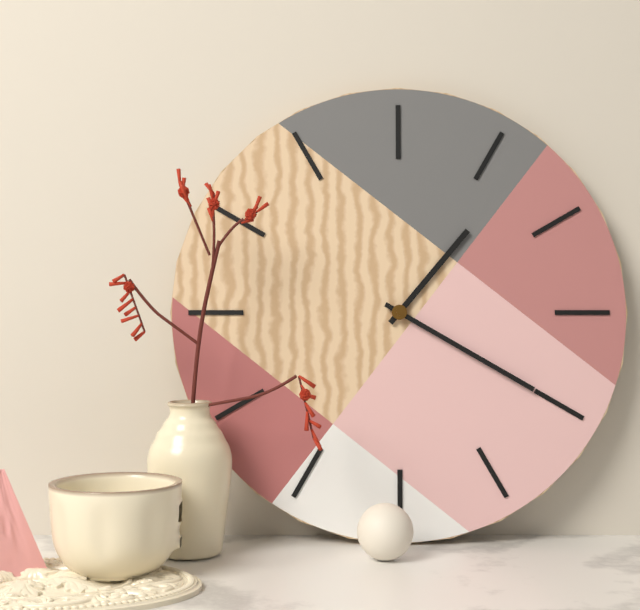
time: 1:20
